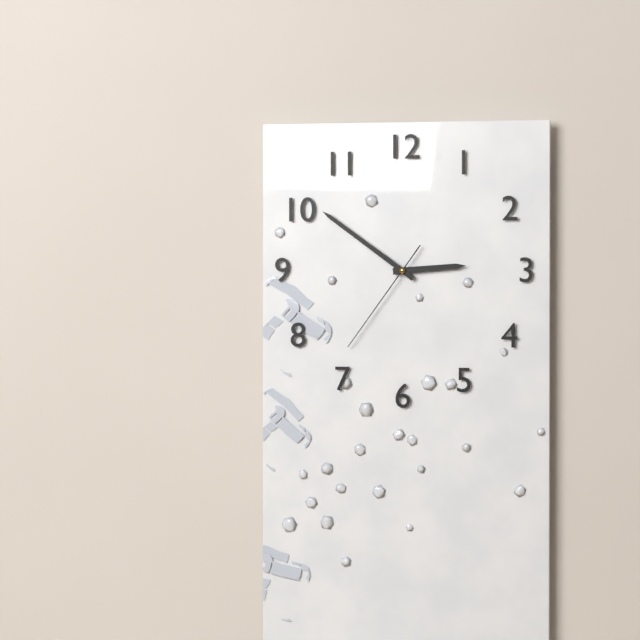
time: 2:51:36
